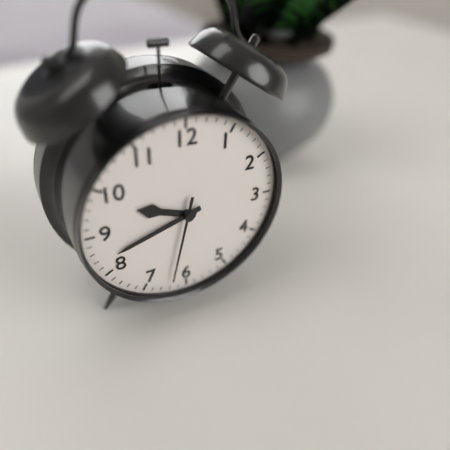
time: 9:42:32
